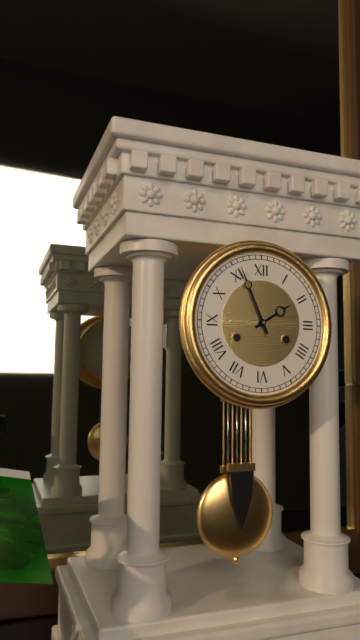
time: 1:56
